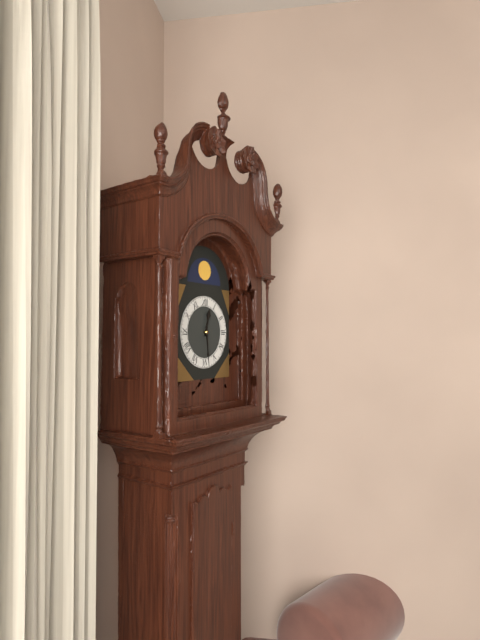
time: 12:29
